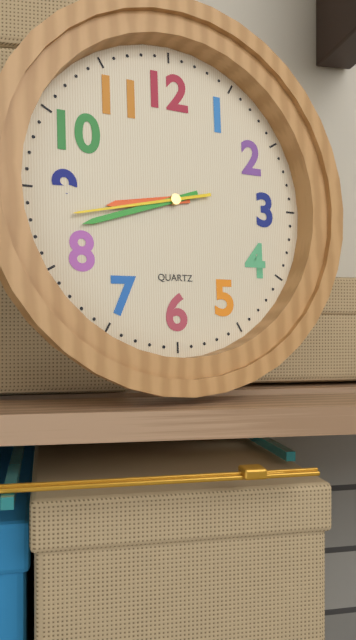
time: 8:42:43
